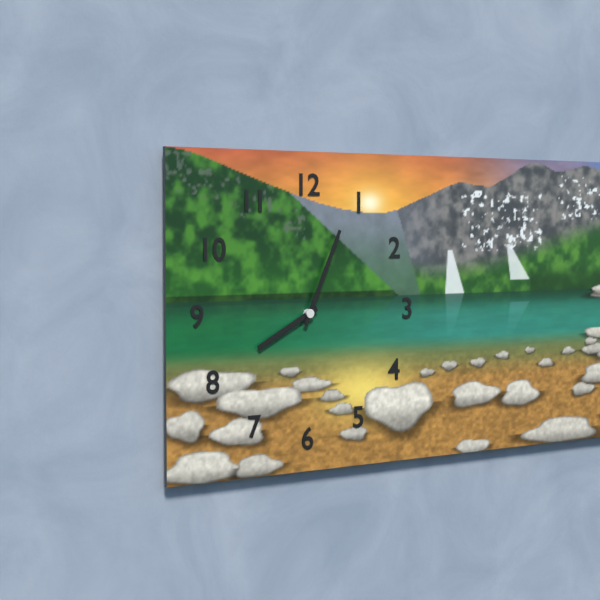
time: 8:04
